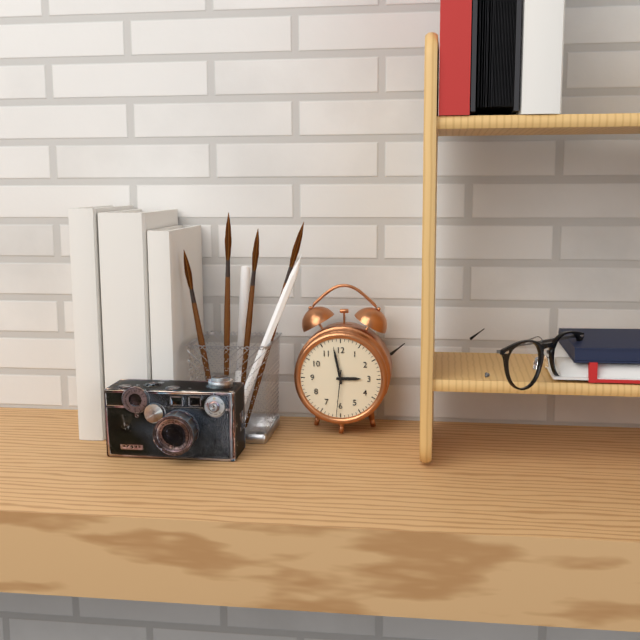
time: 2:58
